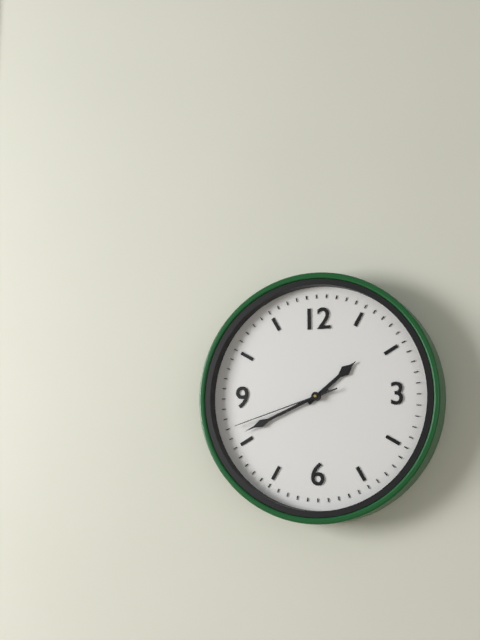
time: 1:41:42
